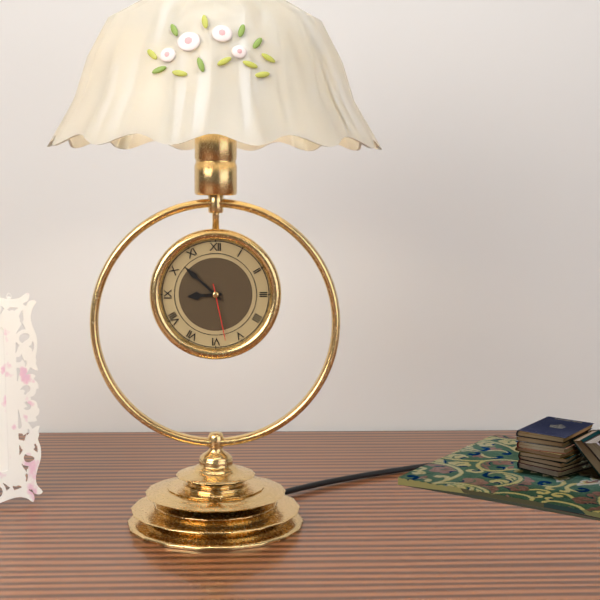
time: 8:52:28
